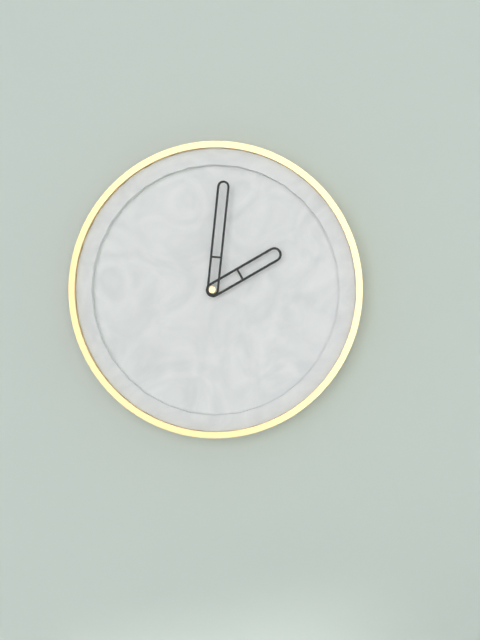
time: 2:01
